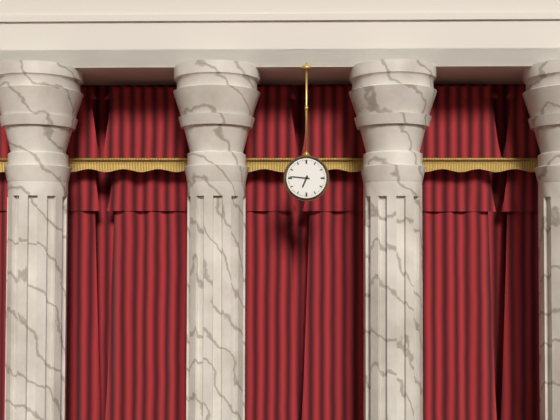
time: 6:46
